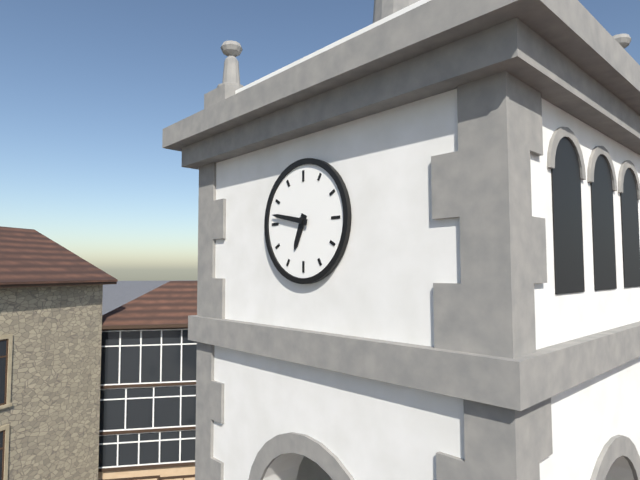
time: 6:47
